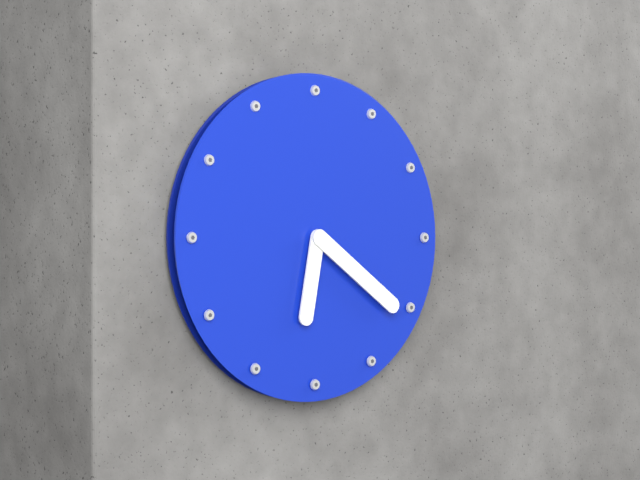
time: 6:21
